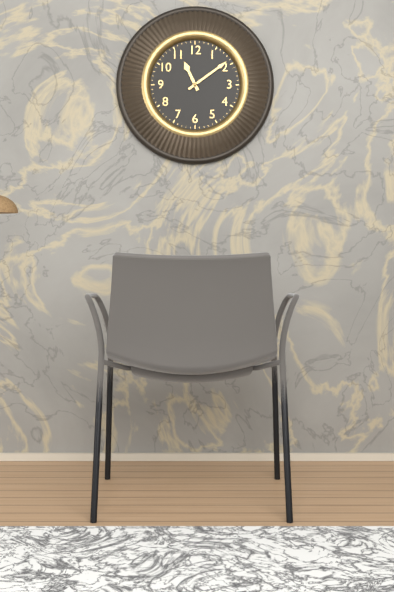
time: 11:09
